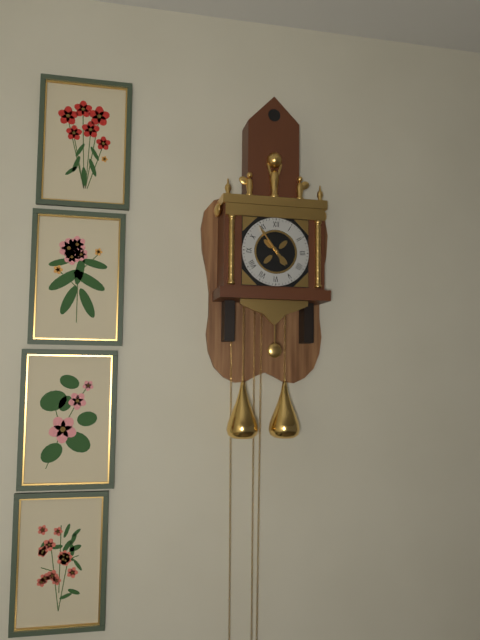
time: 4:54
